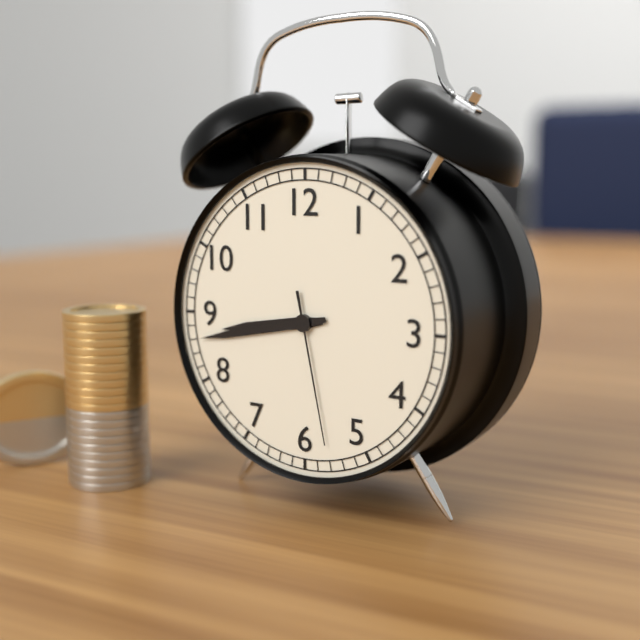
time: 8:43:28
